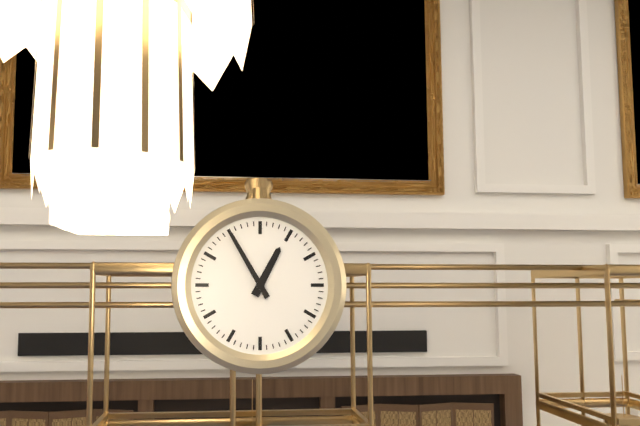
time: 12:55
